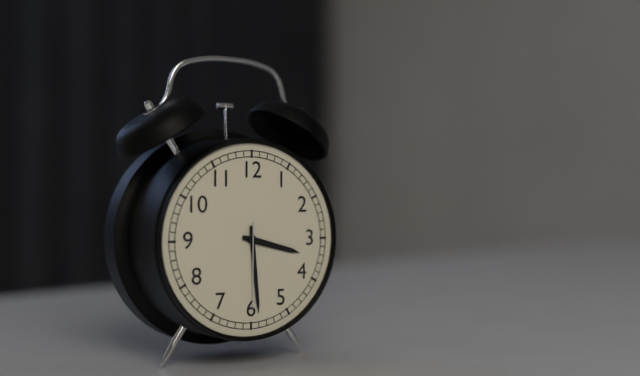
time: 3:29:30
